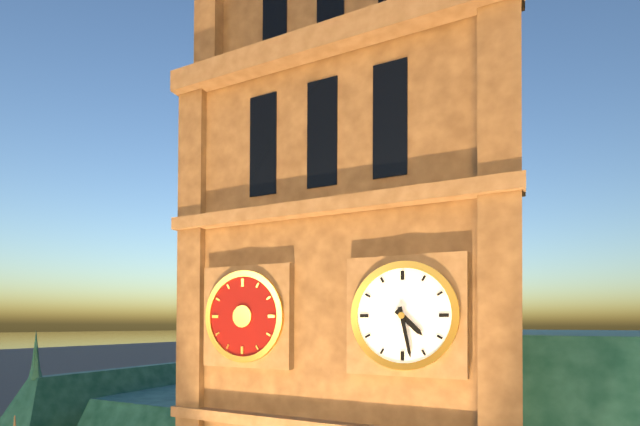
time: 4:28
